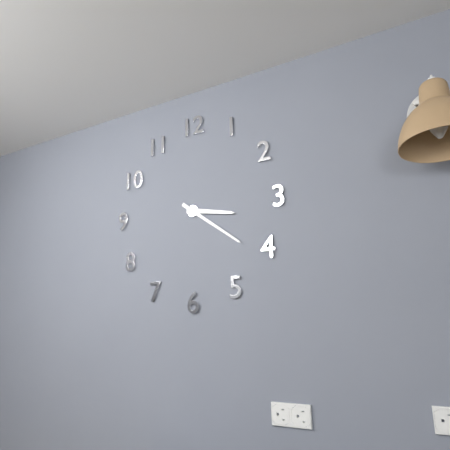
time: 3:21
